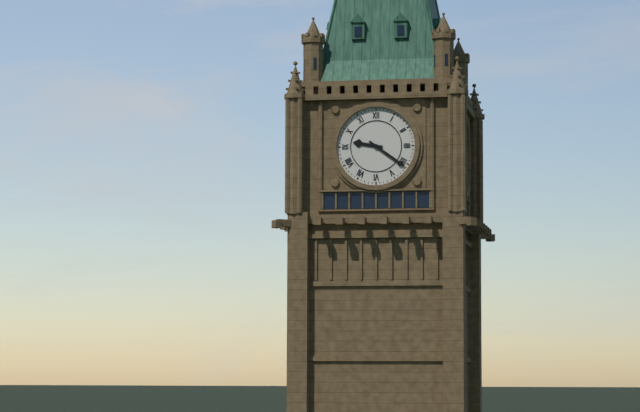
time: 9:21
